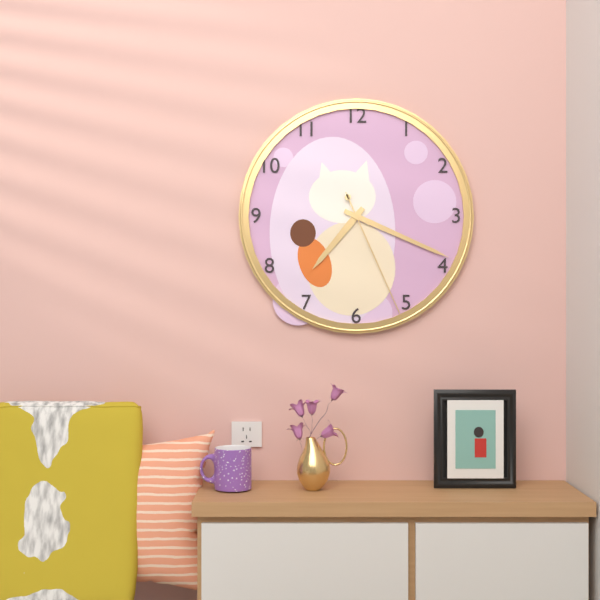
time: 7:19:26
